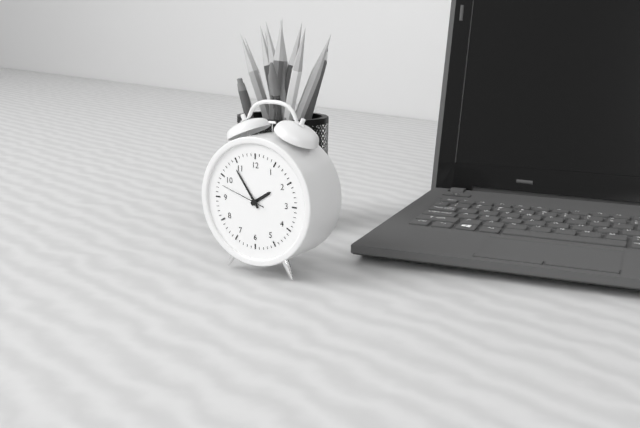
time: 1:54
